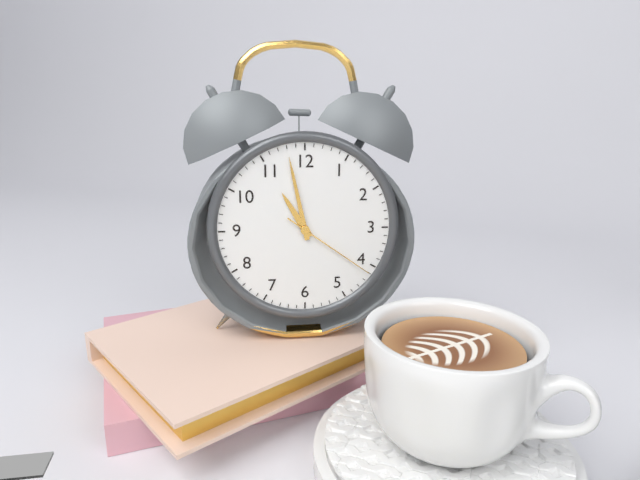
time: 10:58:21
